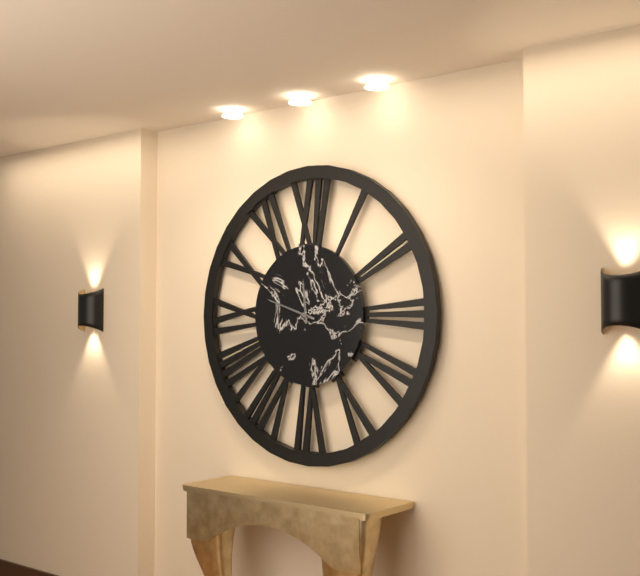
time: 11:48
